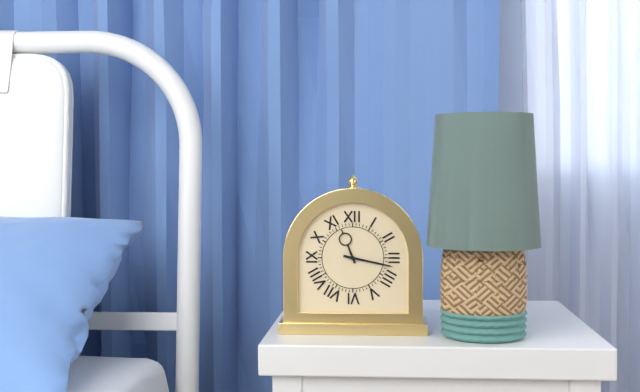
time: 11:17
